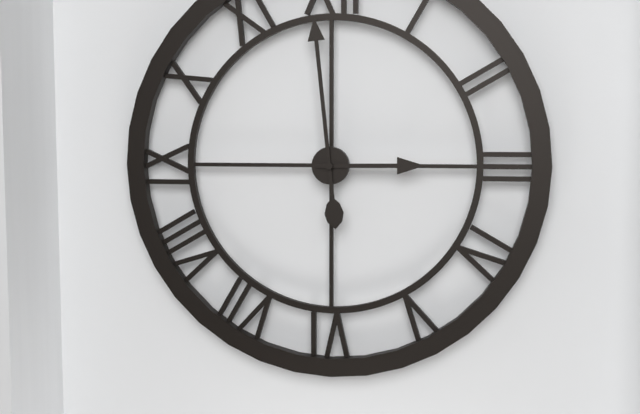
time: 2:59
